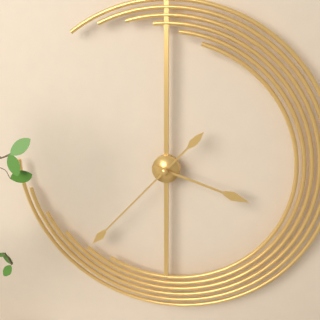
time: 3:37
